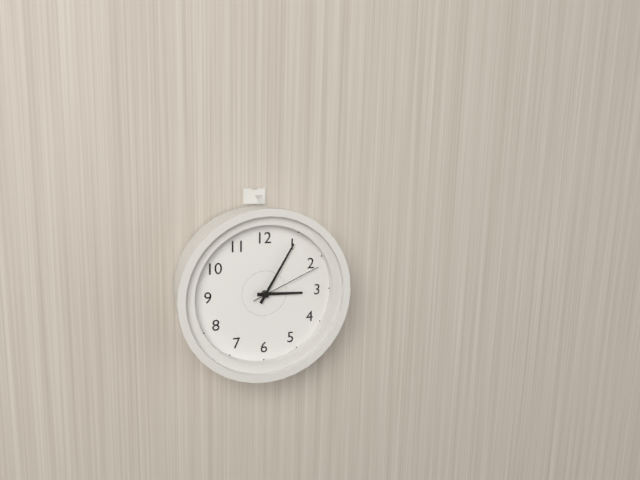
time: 3:05:11
